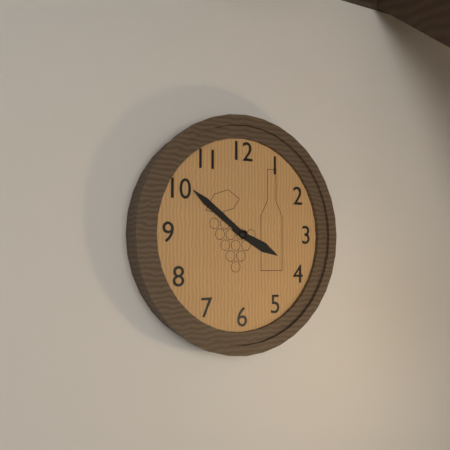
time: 3:51
